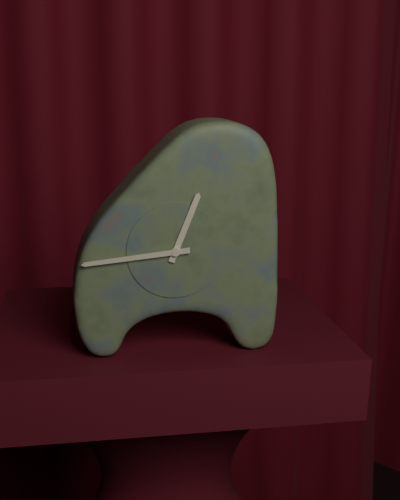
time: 12:44
